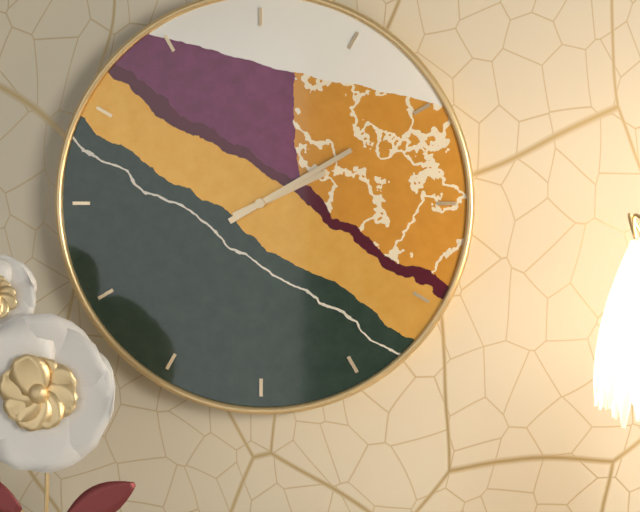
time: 2:10
